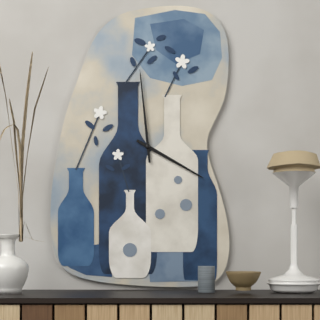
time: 3:59
